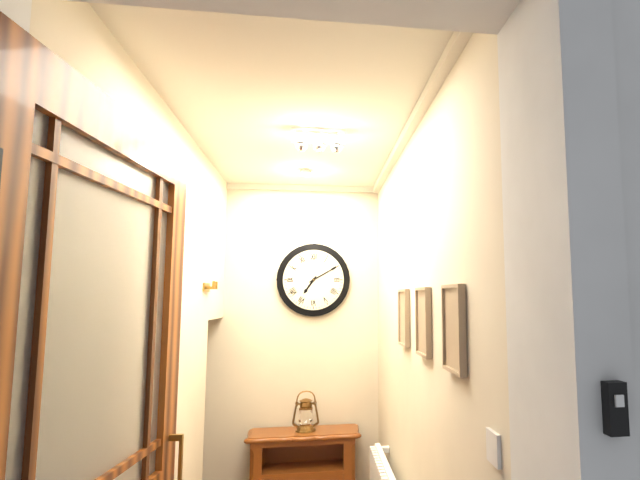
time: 7:10
